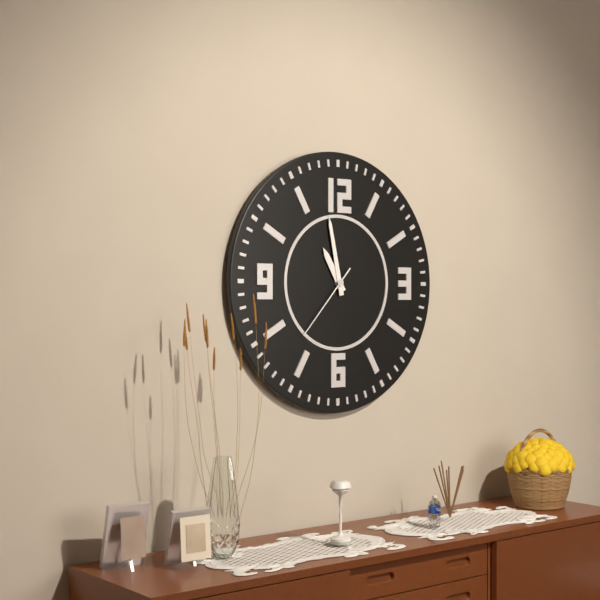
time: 10:58:37
